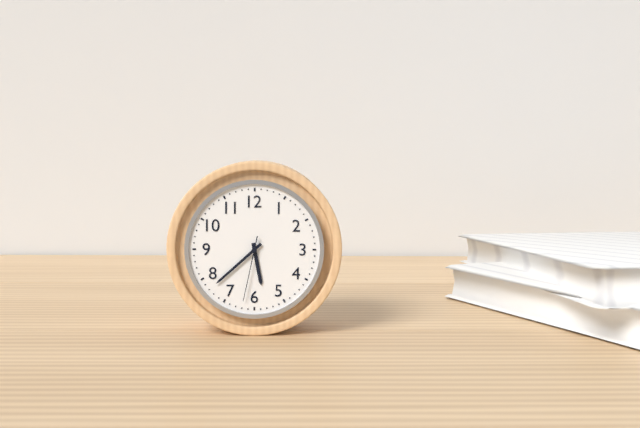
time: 5:38:32
